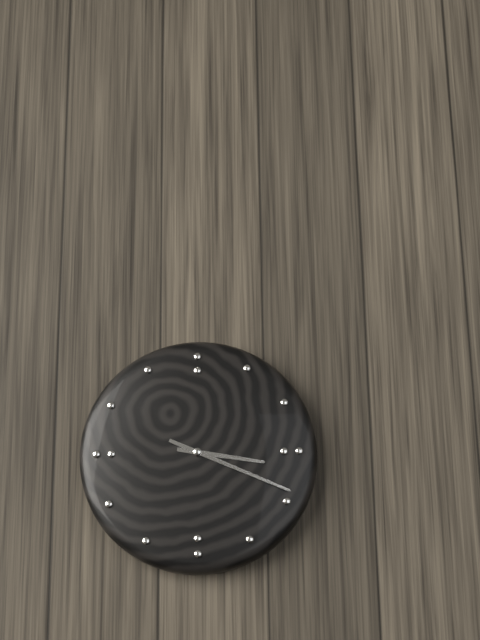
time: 3:19
